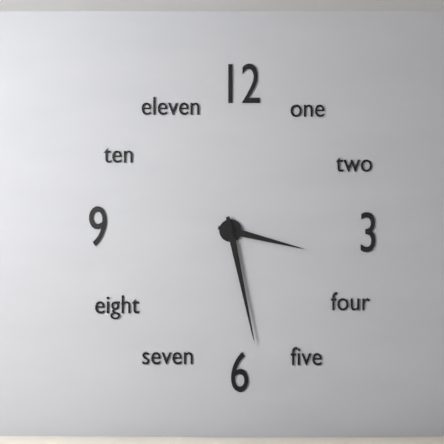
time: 3:28
